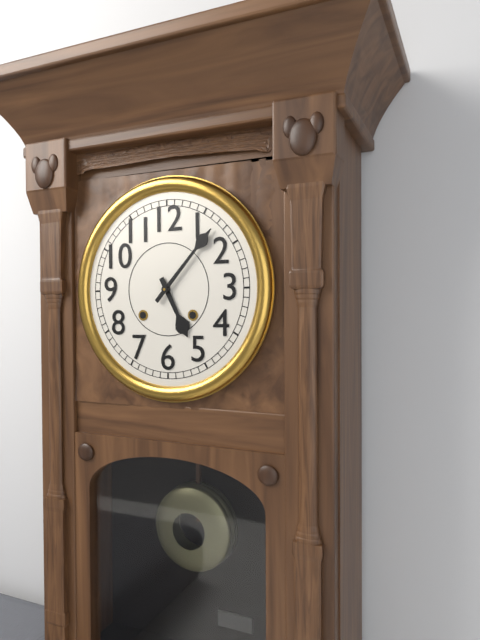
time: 5:07
